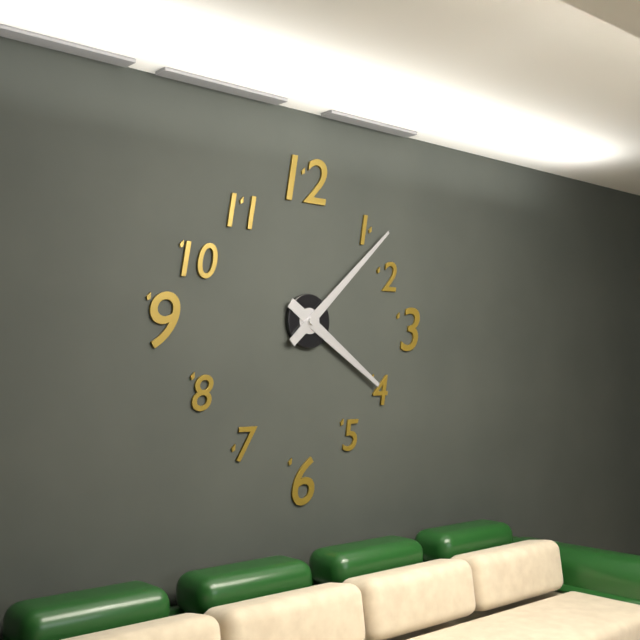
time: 4:08
